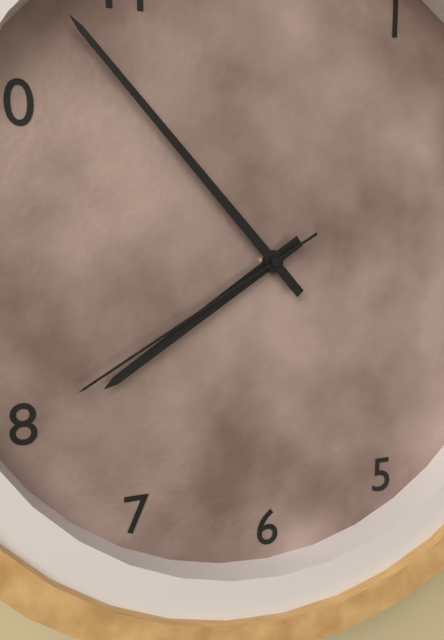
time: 7:53:40
